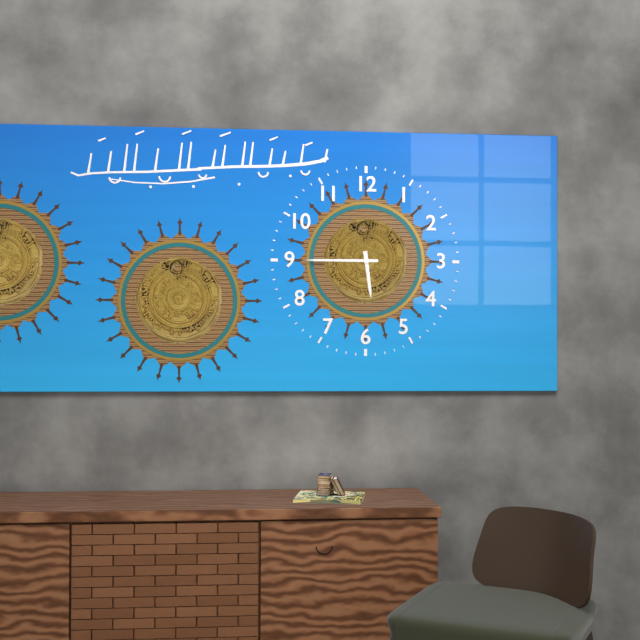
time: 5:45
